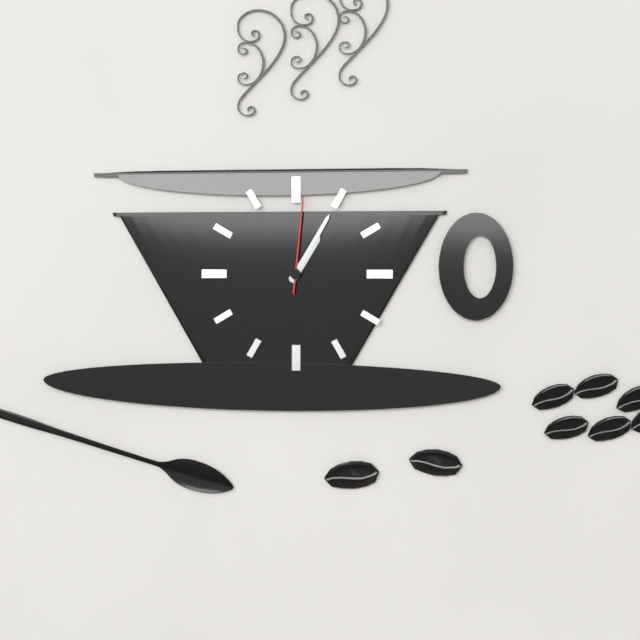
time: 1:05:01
